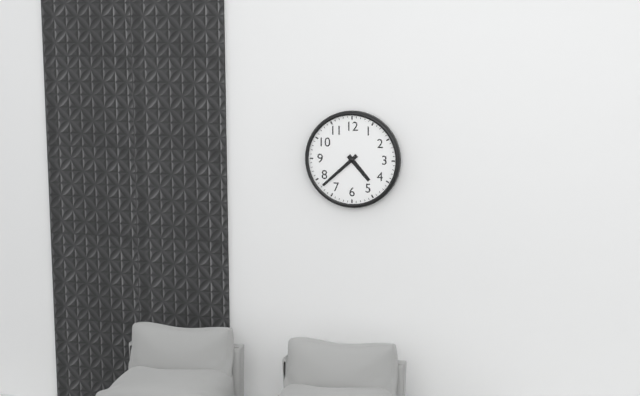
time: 4:38
